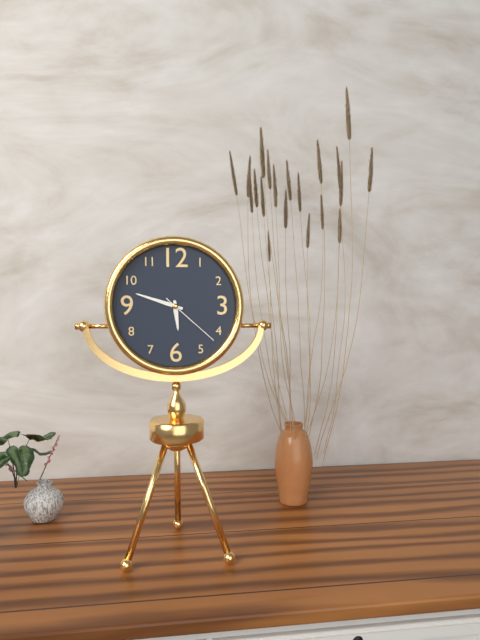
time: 5:48:22
